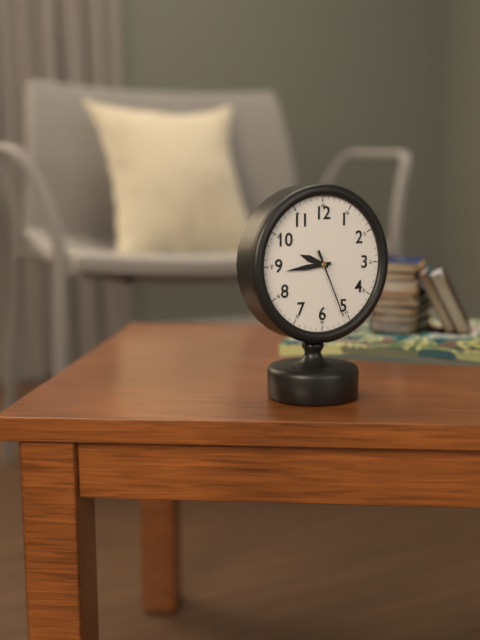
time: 9:44:26
